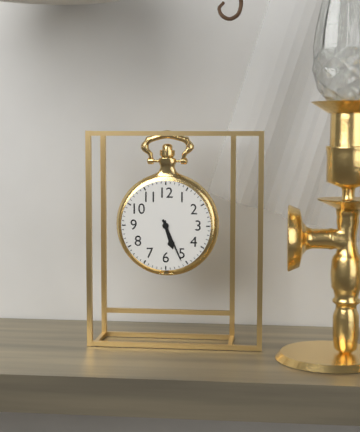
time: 5:26
